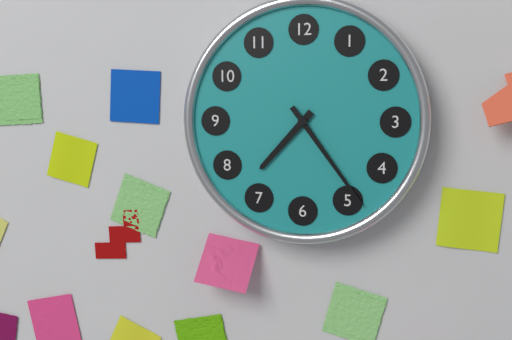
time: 7:24
